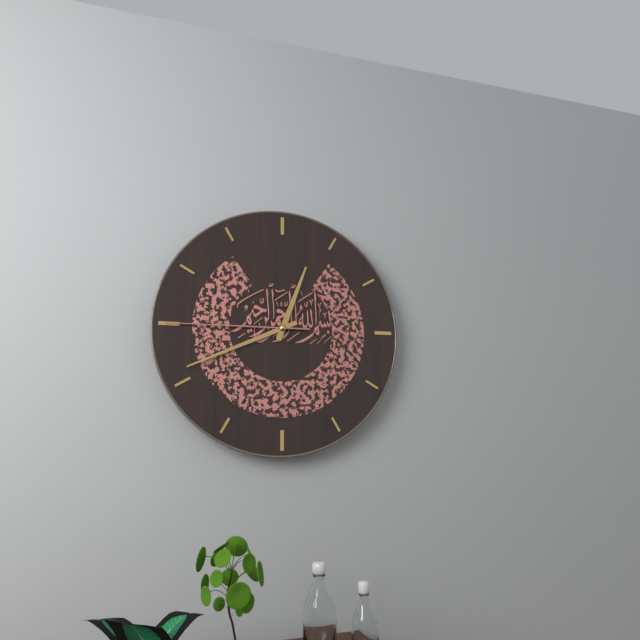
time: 12:41:45
